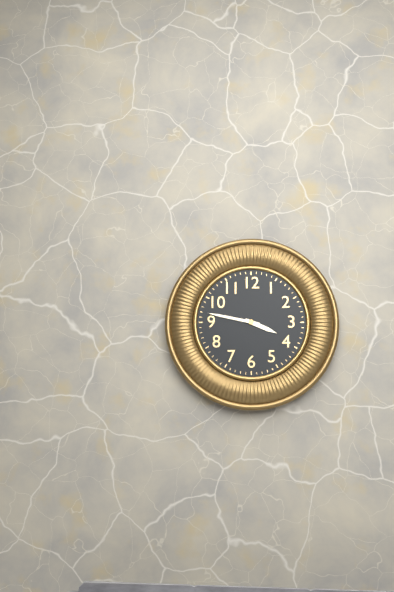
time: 3:47
